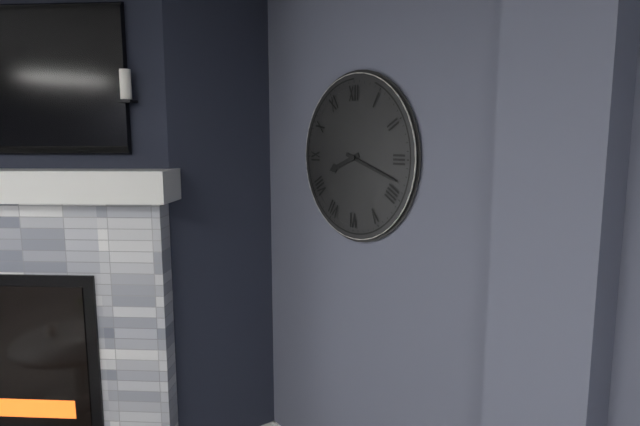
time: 8:18
